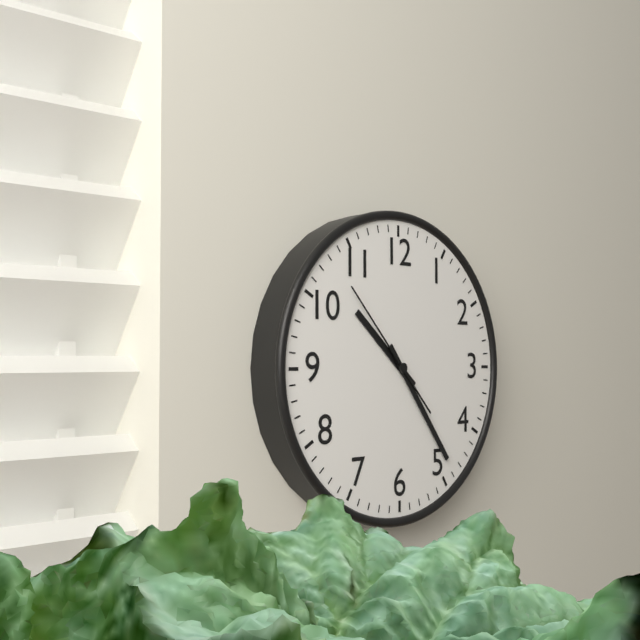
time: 10:24:53
